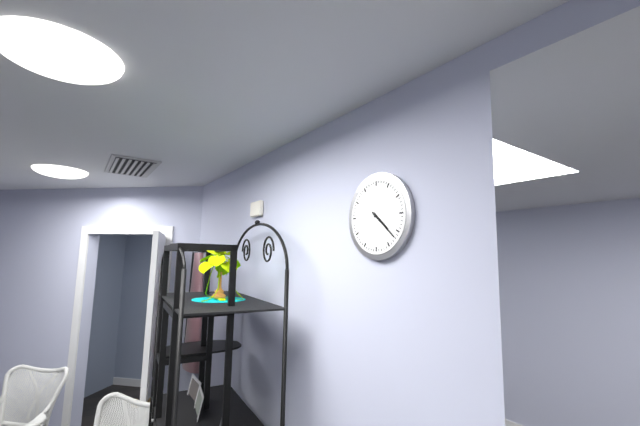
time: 4:22
